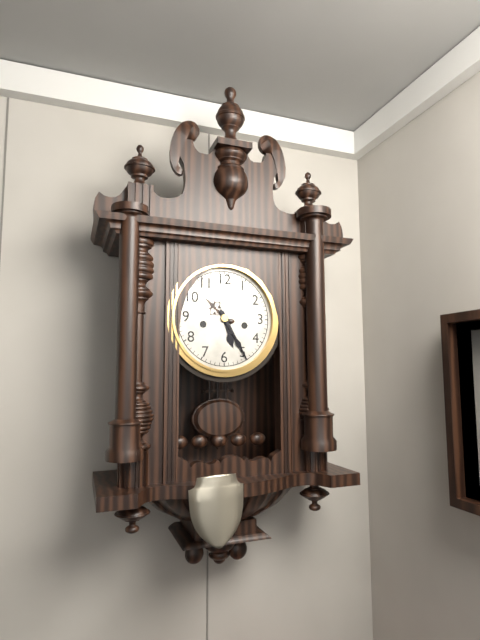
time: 5:25
